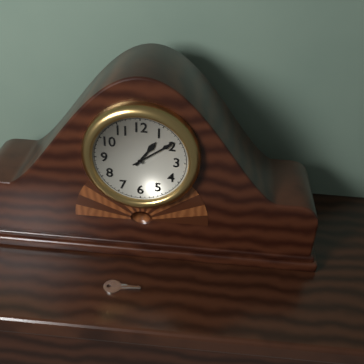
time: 1:09
